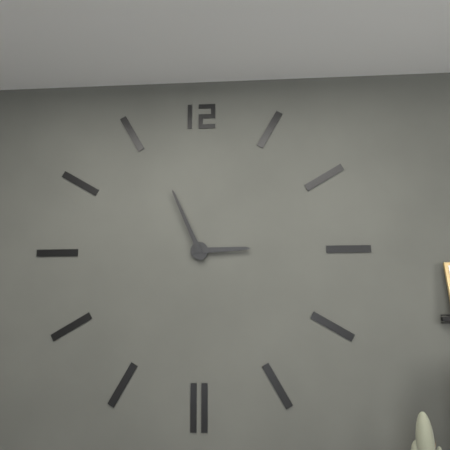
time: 2:56
